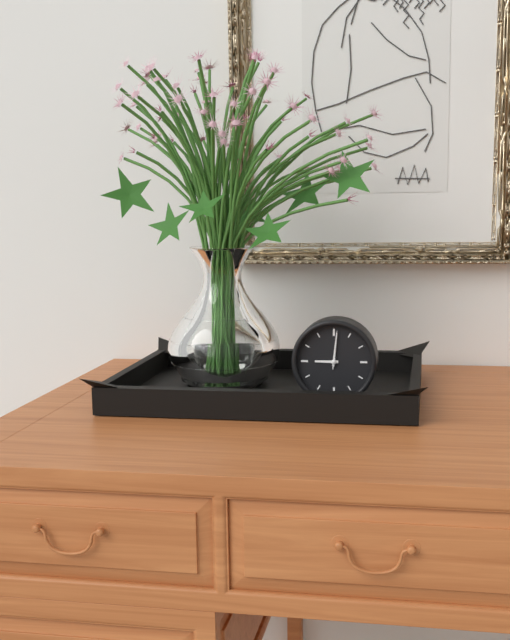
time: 9:01
